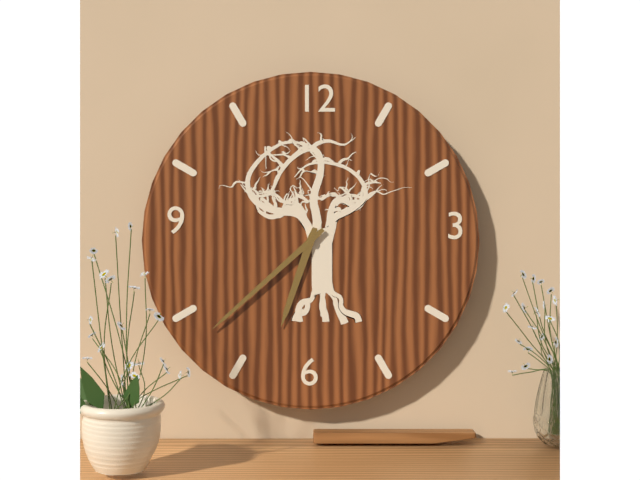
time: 6:38
